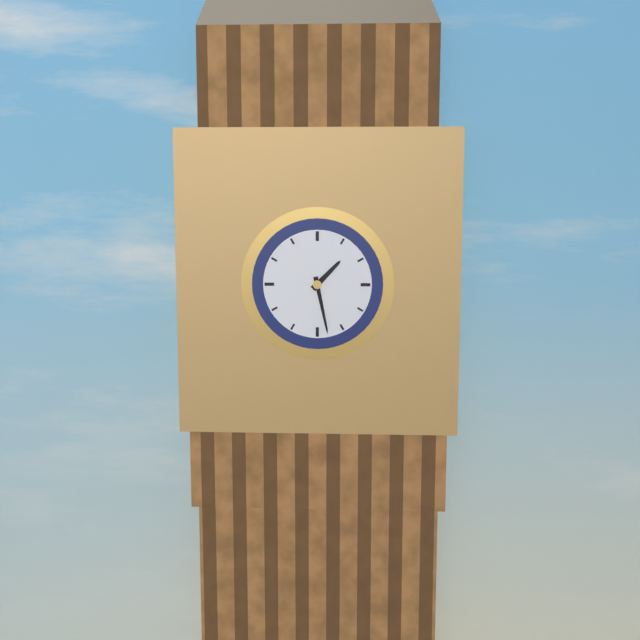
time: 1:28
